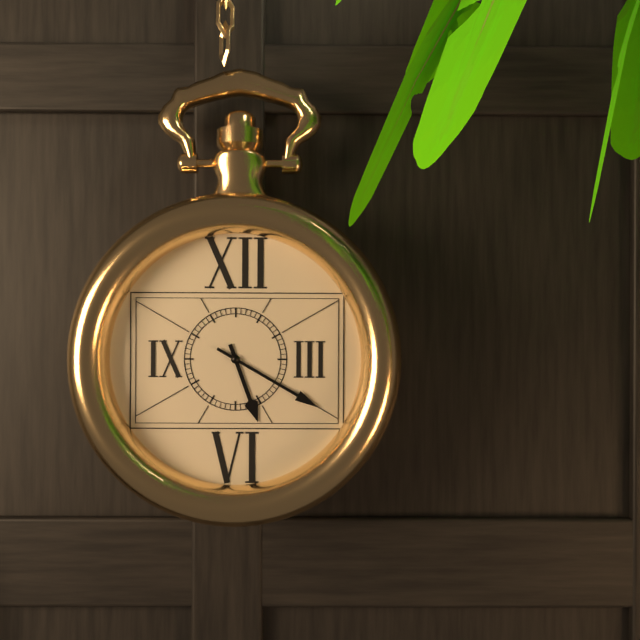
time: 5:20
